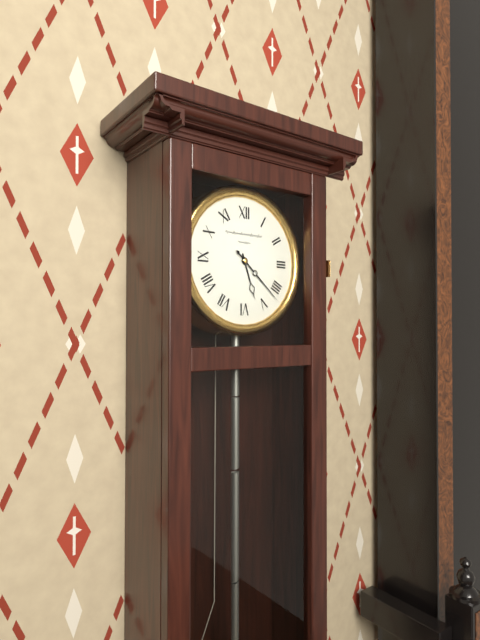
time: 5:22
